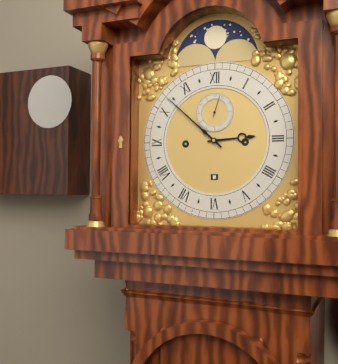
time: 2:52
